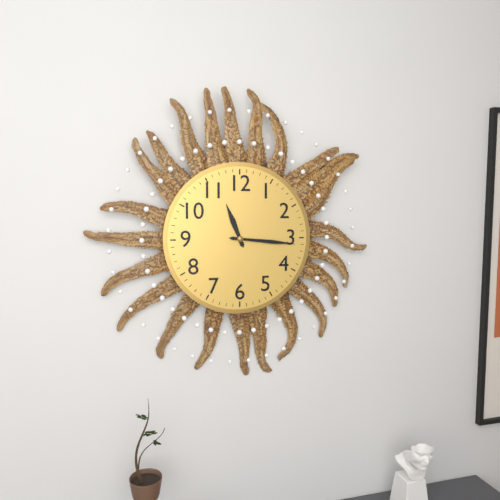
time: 11:16
